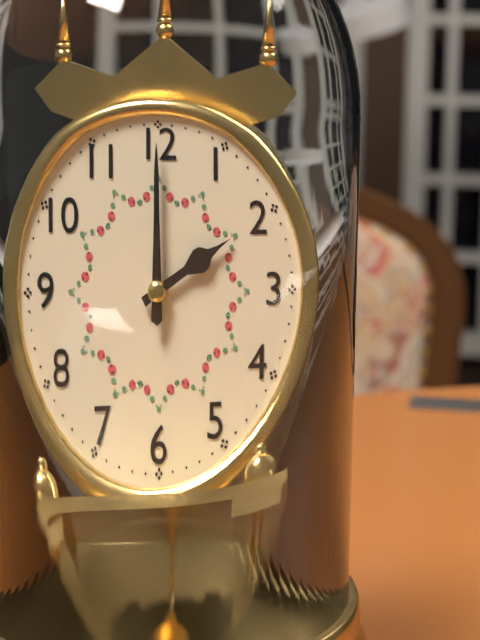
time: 2:00
